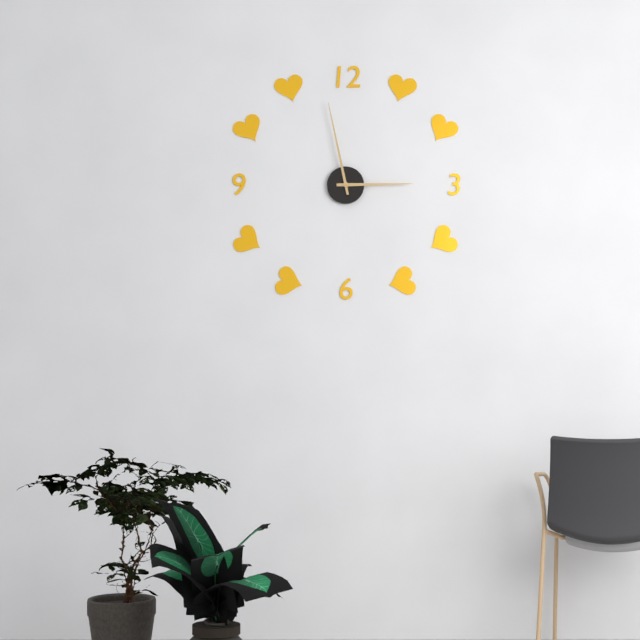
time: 2:58
